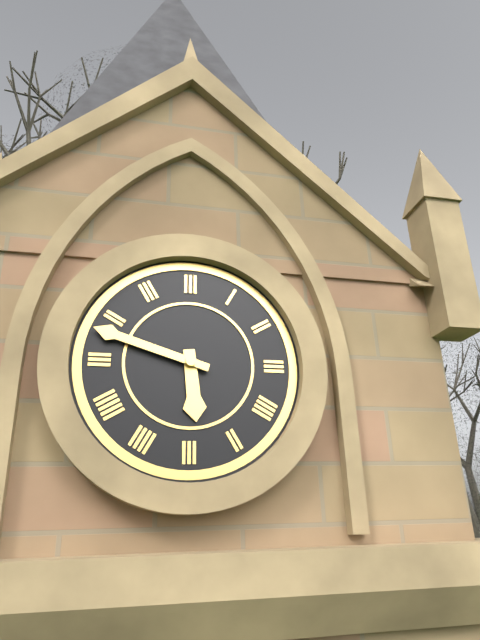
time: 5:48
